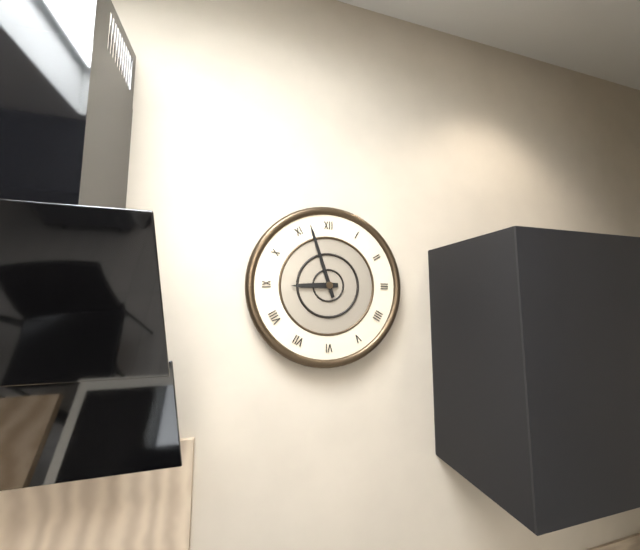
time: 8:57
